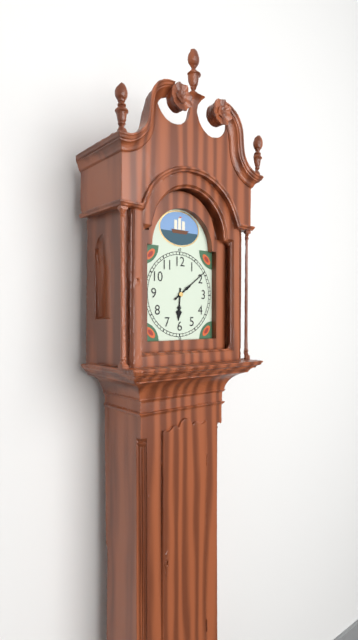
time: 6:09
